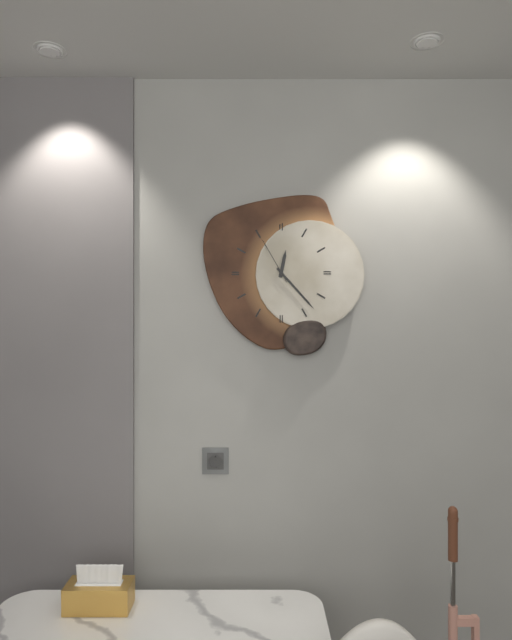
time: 12:23
